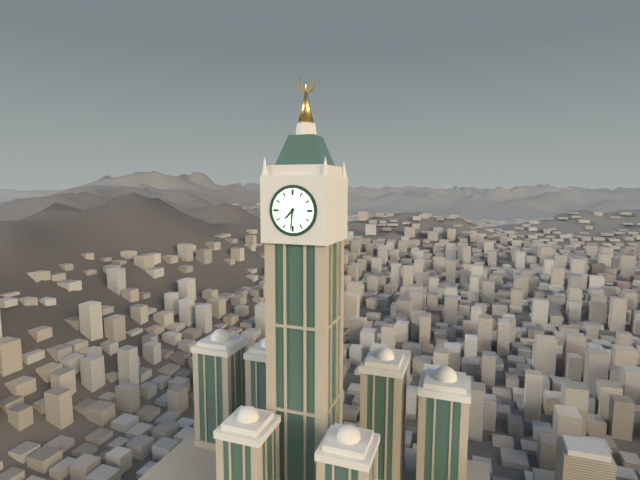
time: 7:31
